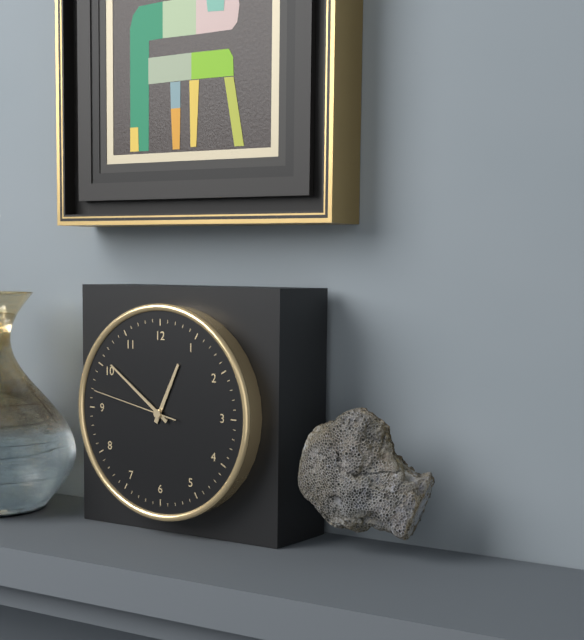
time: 12:51:47
